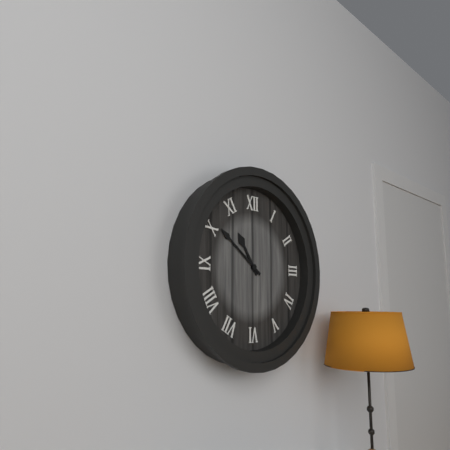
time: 10:51
